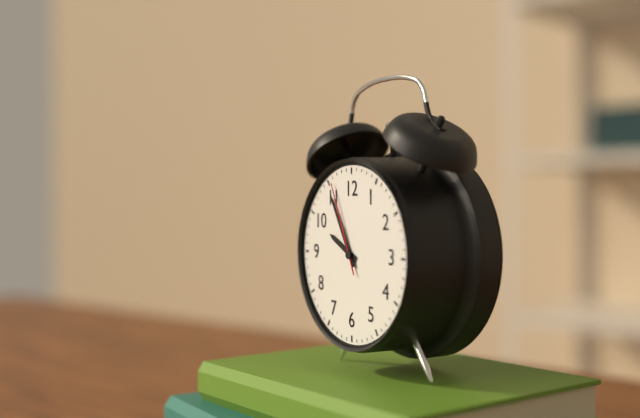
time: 9:55:56
